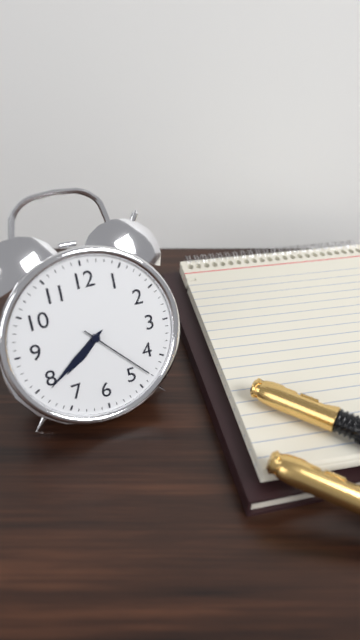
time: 7:39:23
